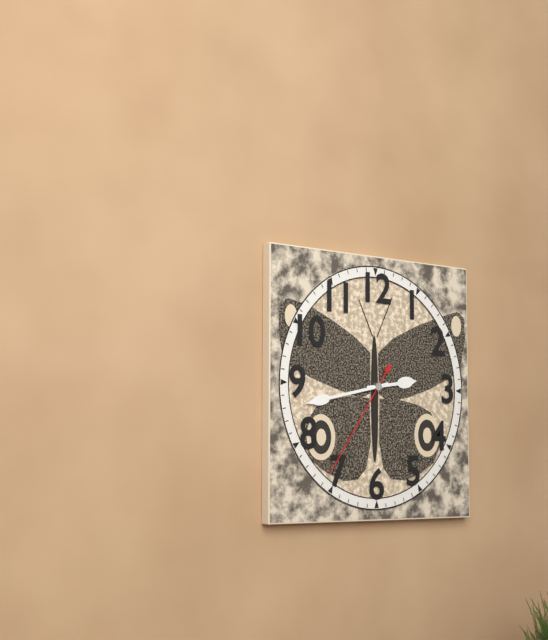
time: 2:43:36
